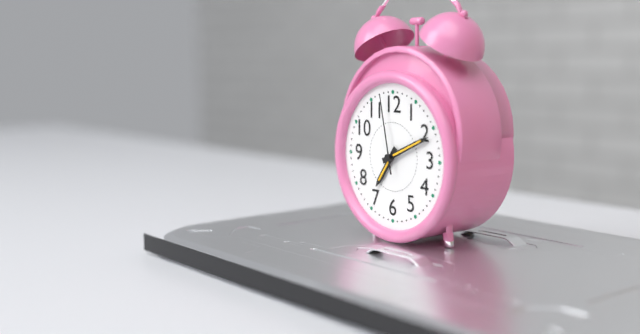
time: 7:11:58
